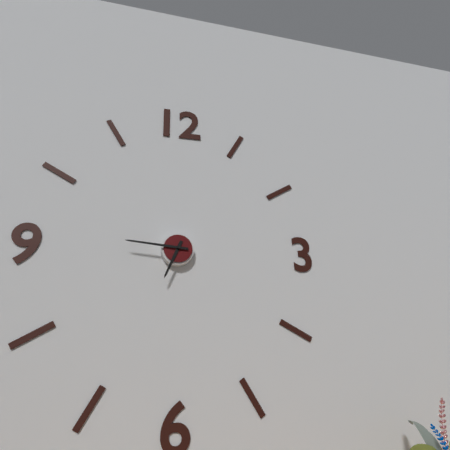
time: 6:46
